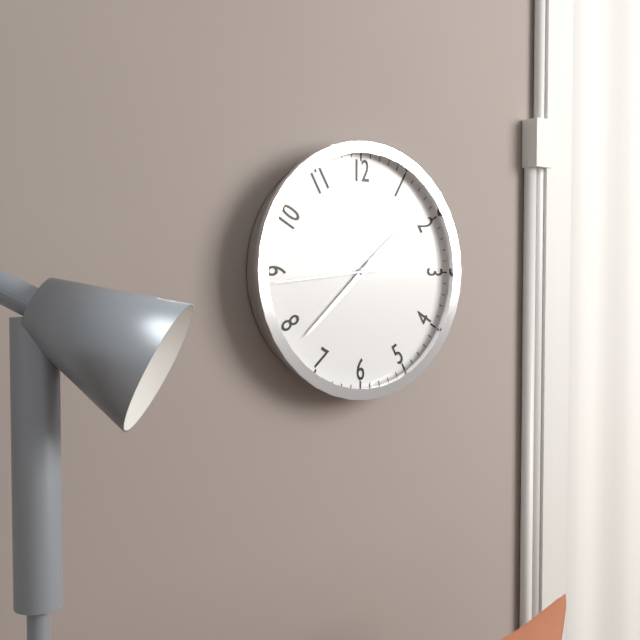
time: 1:38:44
